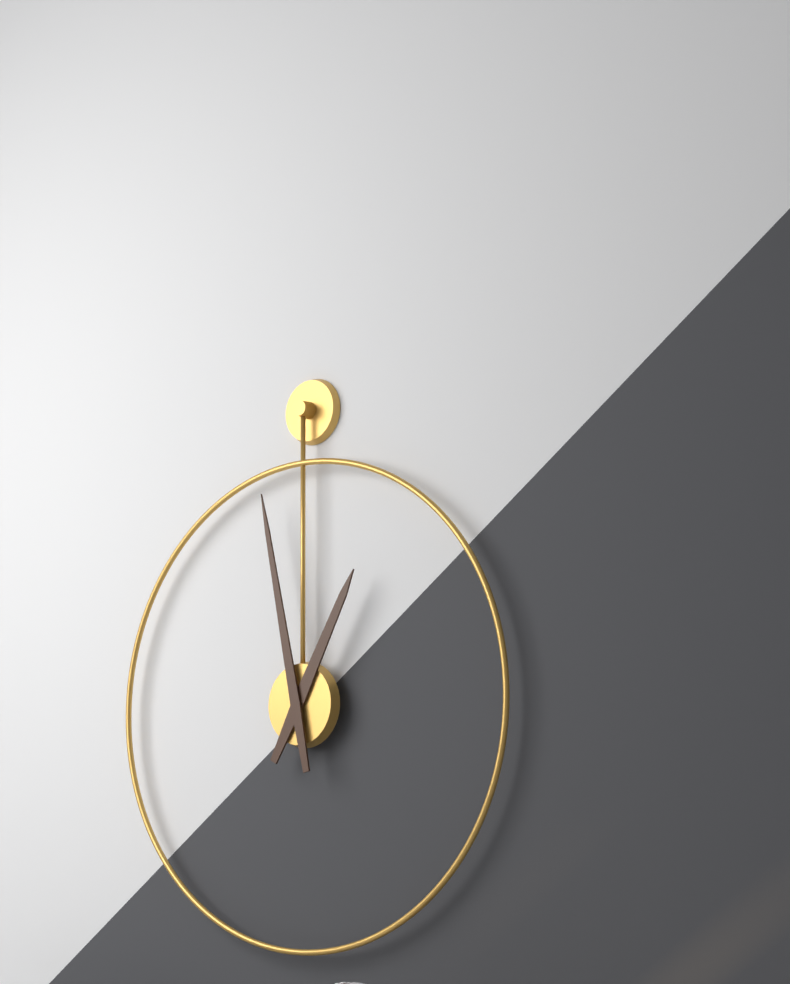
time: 12:58
